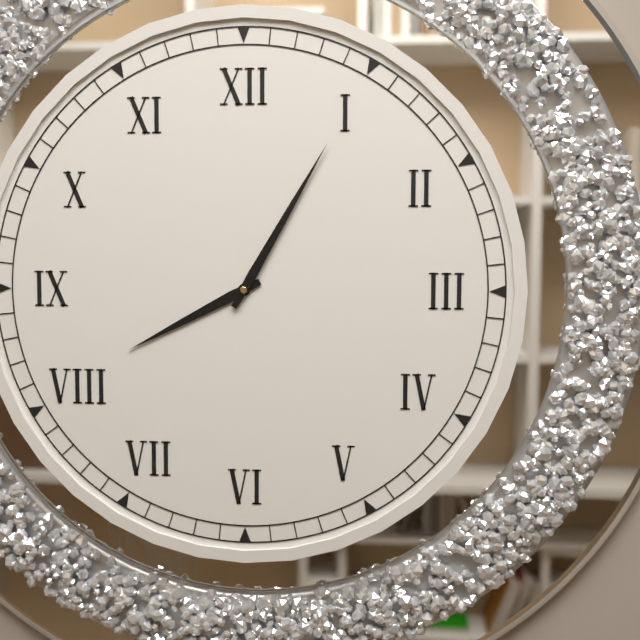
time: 8:05
